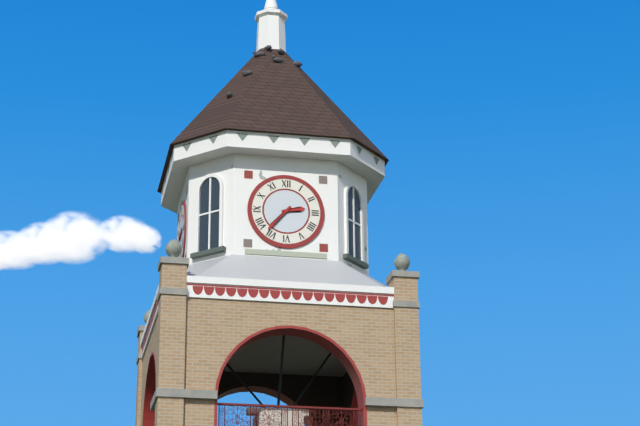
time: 2:37
